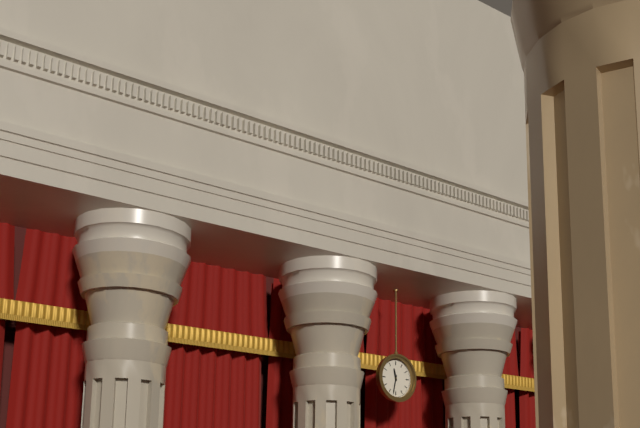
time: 11:32
